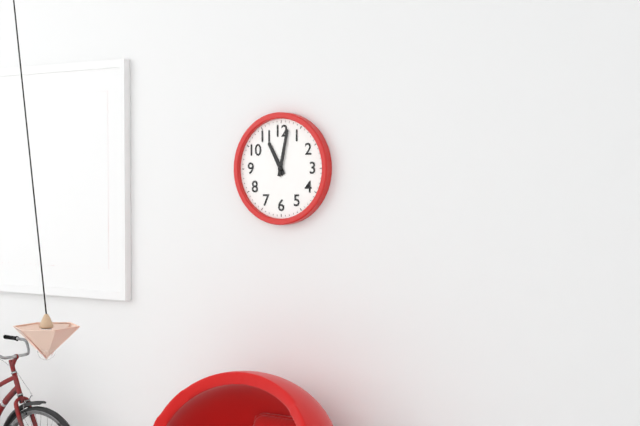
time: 11:02
